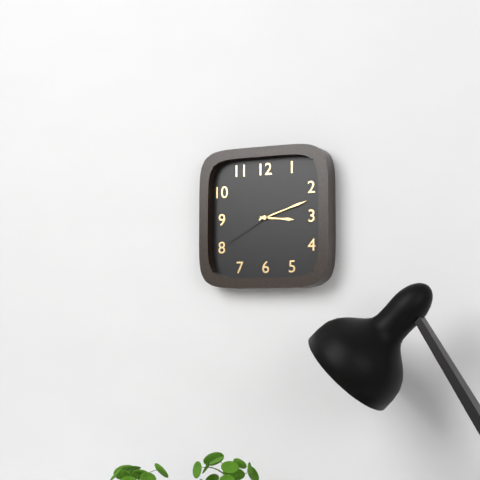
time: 3:12:40
